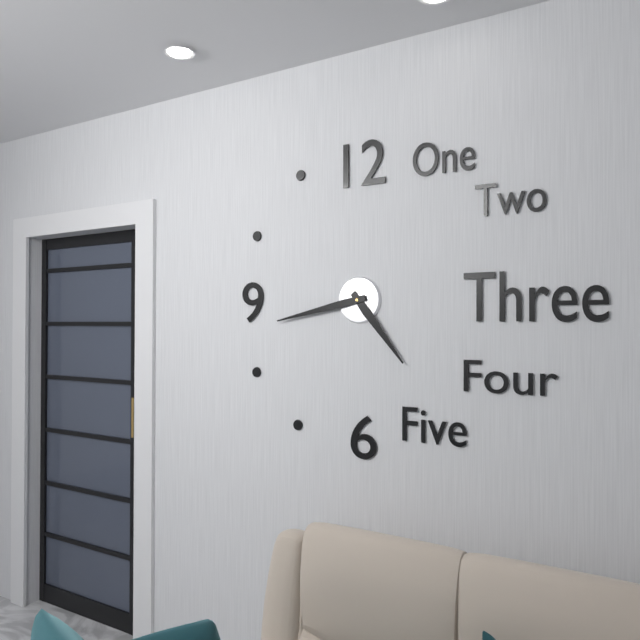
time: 4:43
